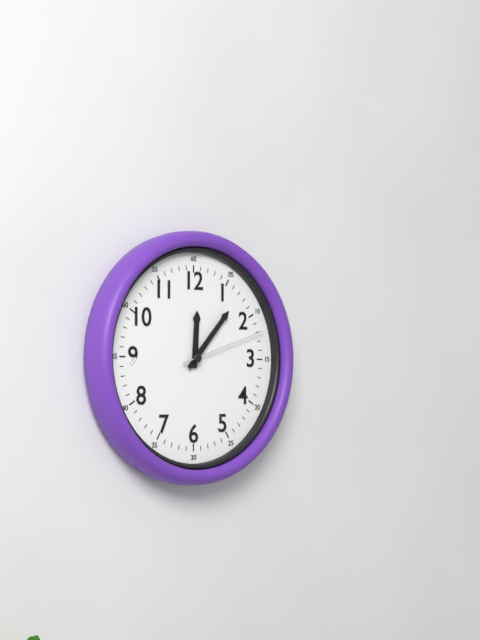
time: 12:07:12
